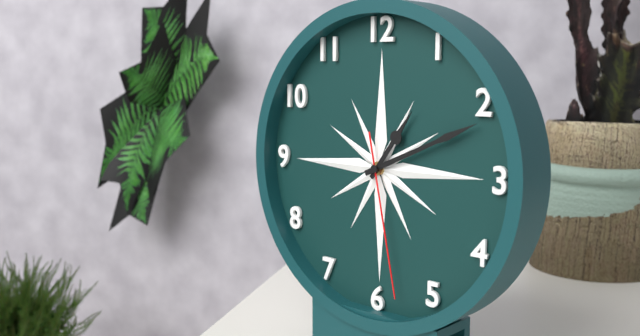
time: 1:11:28
